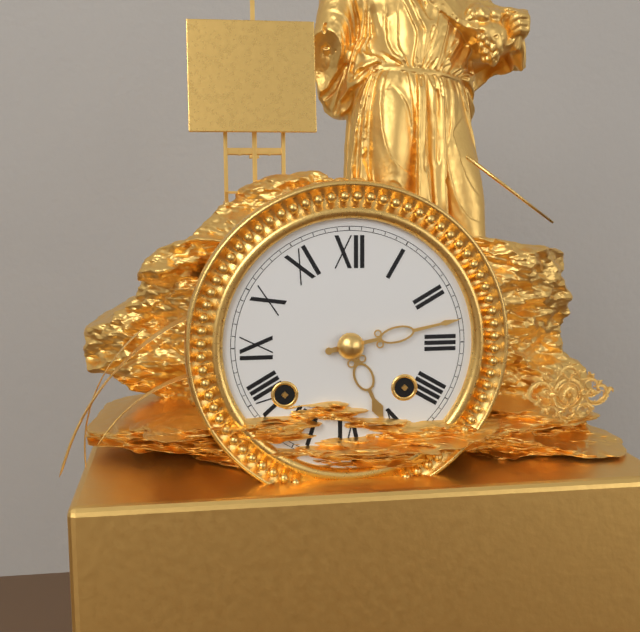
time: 5:13
